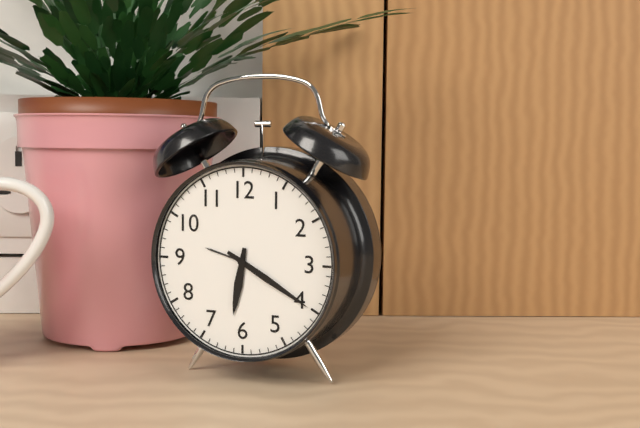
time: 6:20
